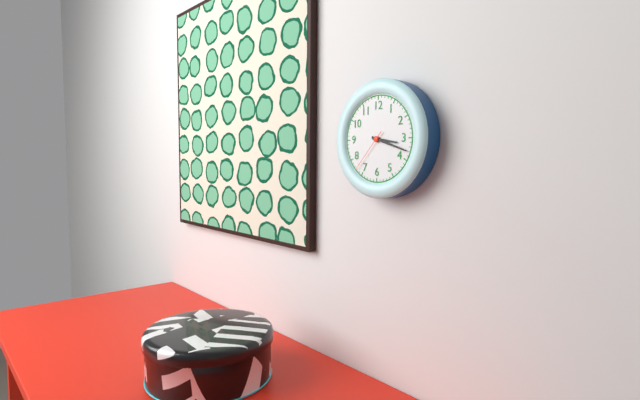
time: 3:18:37
